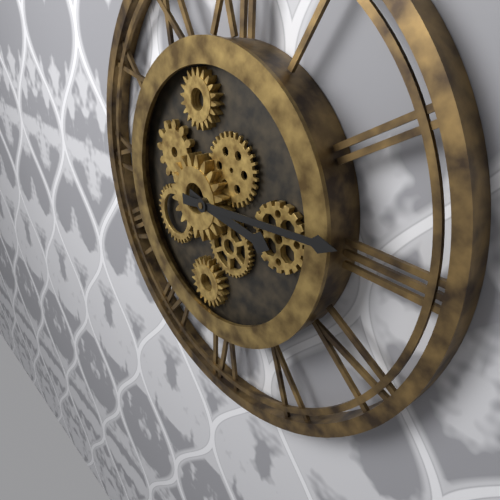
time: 3:14
